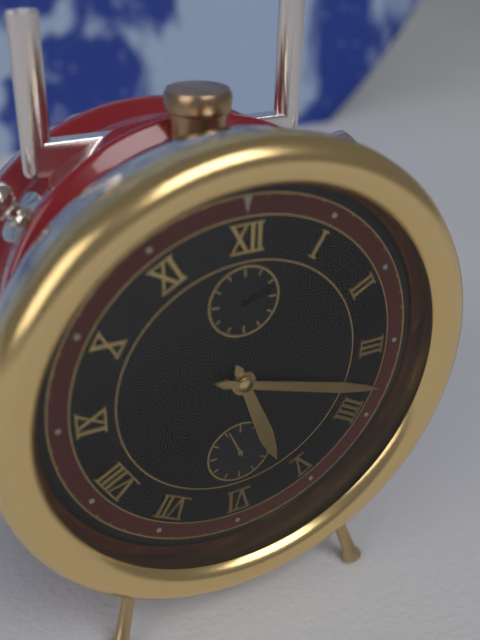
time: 5:18:56
